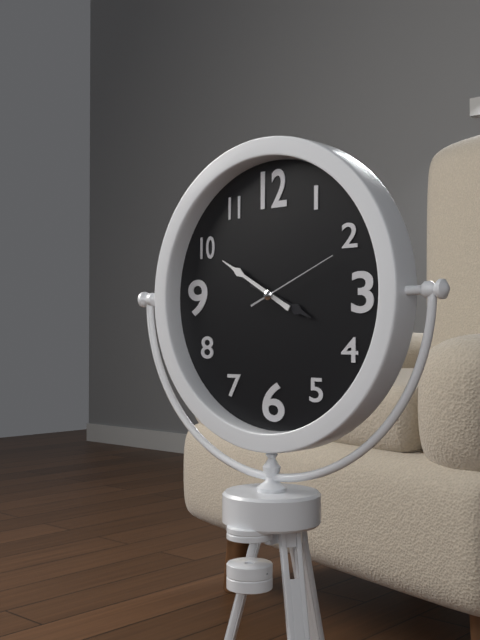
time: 3:50:11
